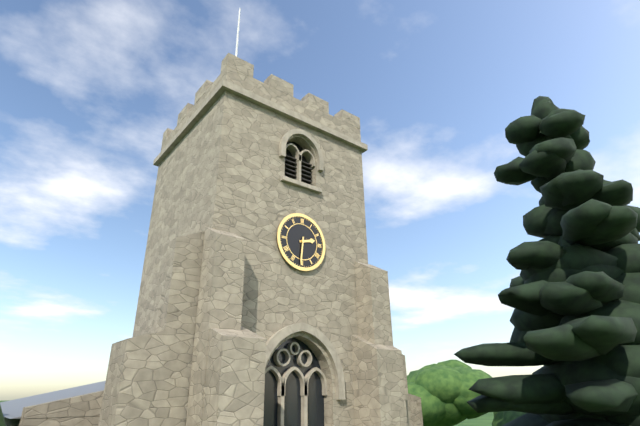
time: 2:31
